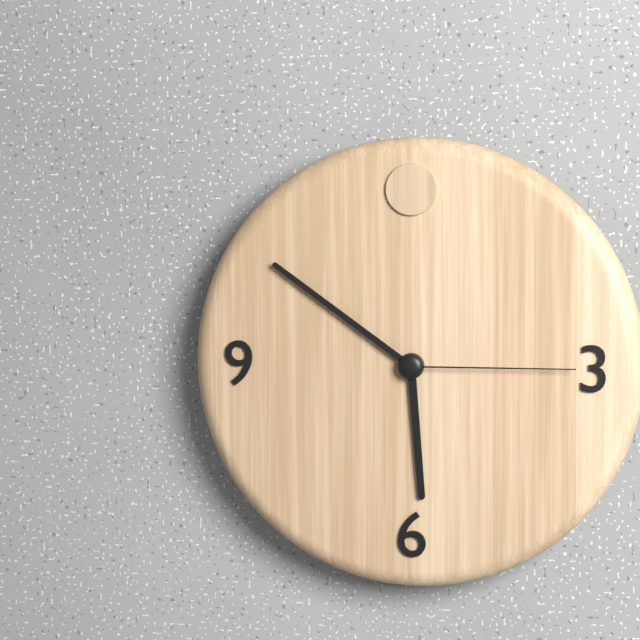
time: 5:51:15
